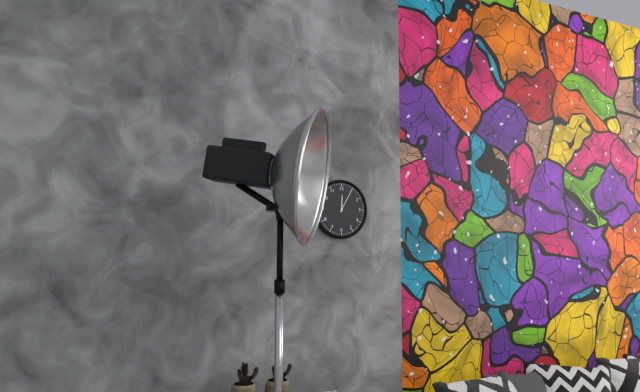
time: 12:05
